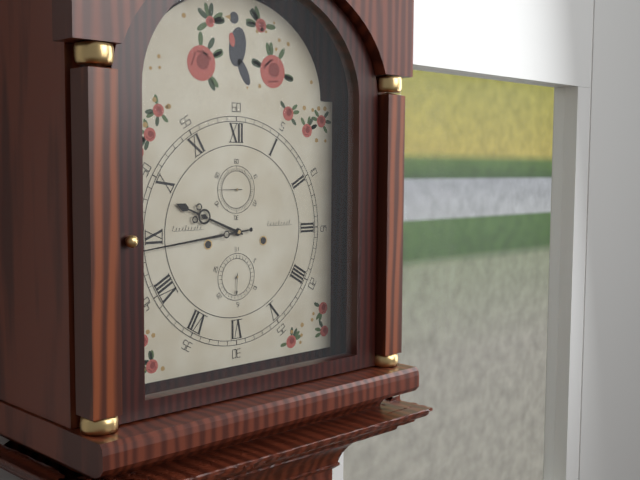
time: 9:44
